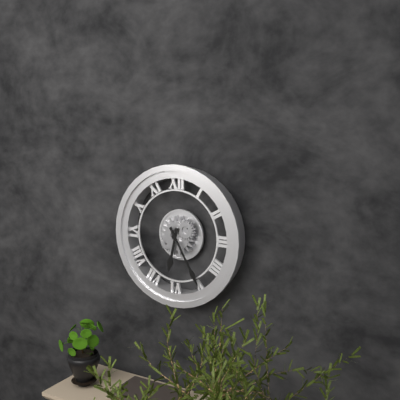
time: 6:25
